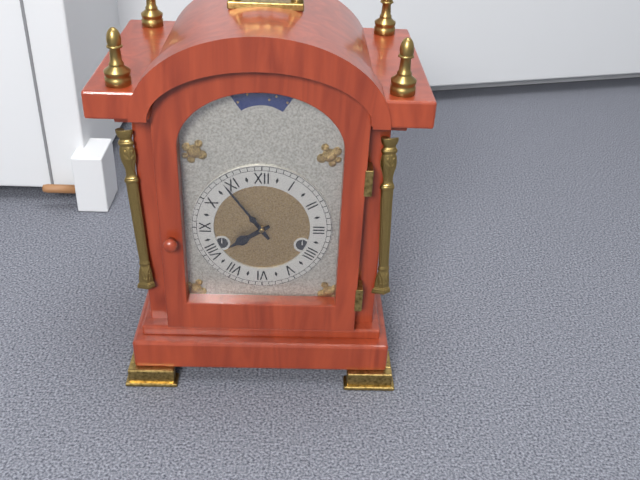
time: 7:54
